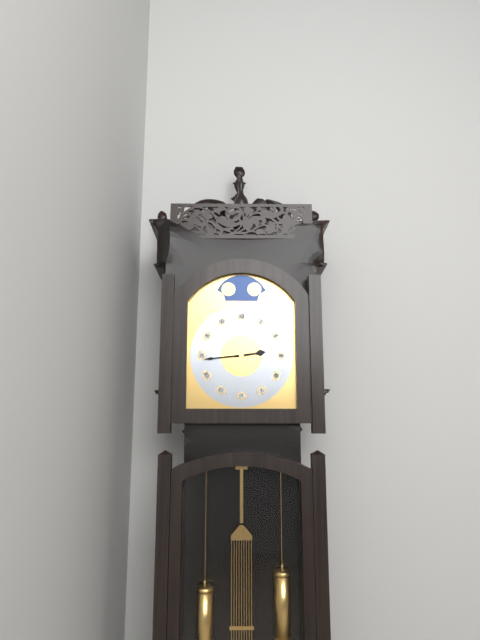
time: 2:44
